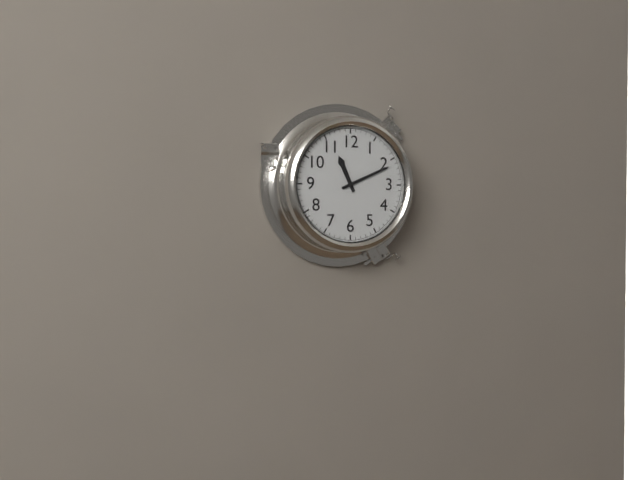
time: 11:11
